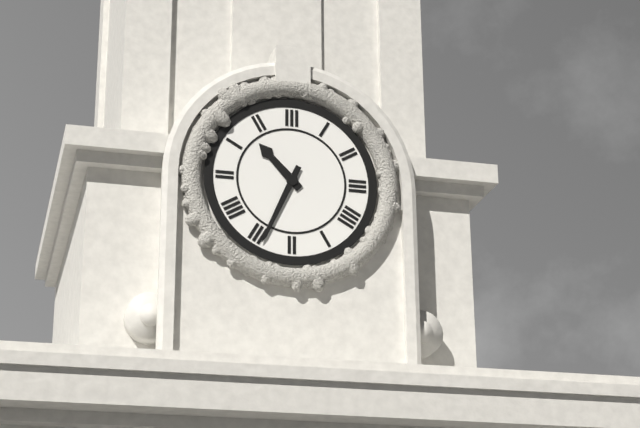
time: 10:34
